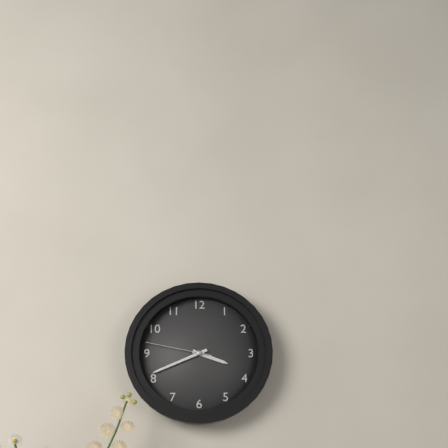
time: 3:41:47
